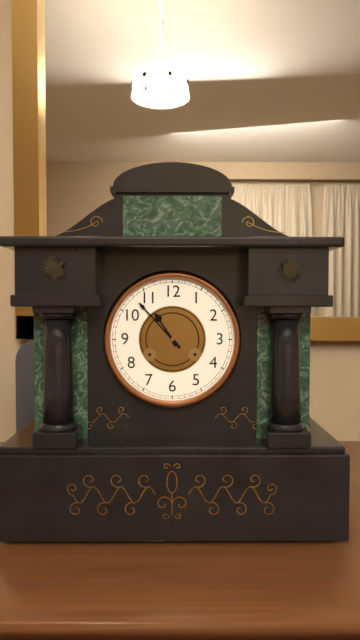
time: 10:53
